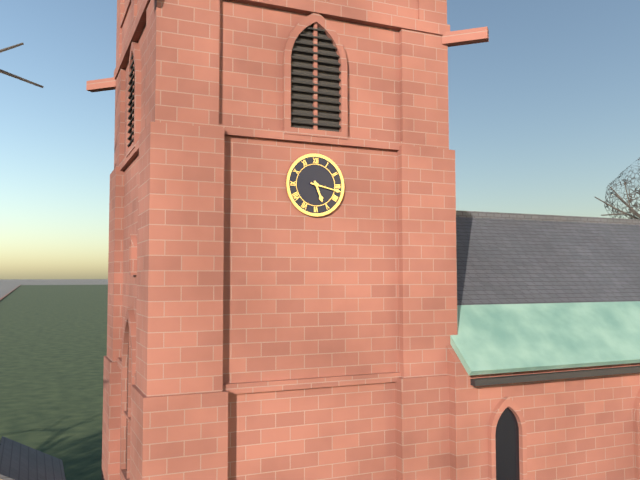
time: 5:17
